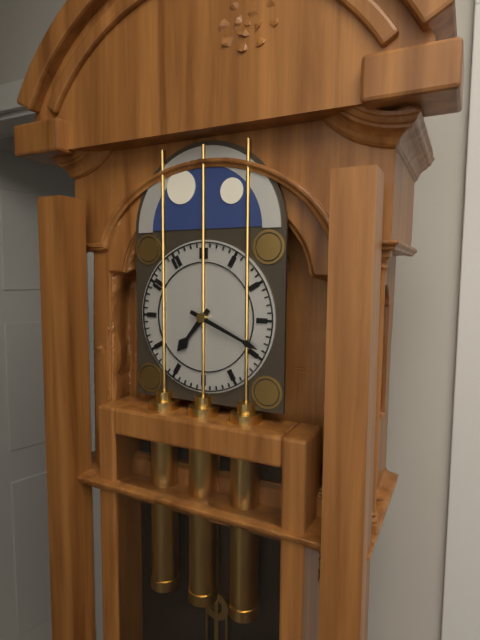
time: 7:19
